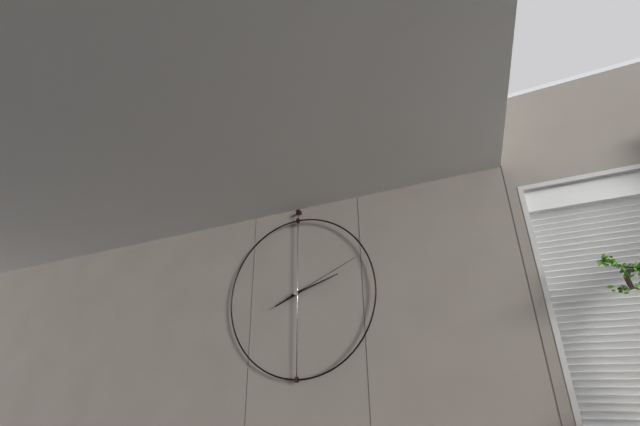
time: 8:12:11
